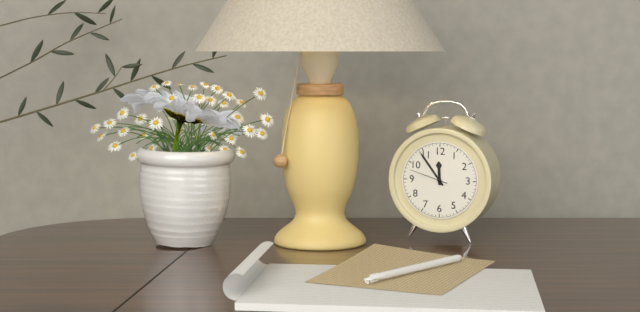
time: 11:54
